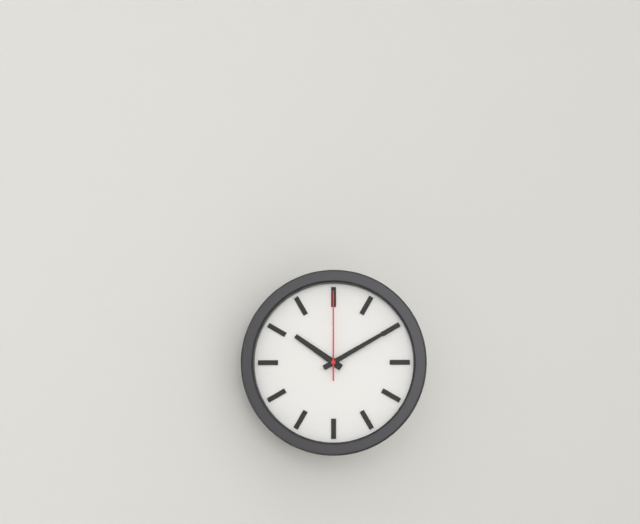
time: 10:10:00
